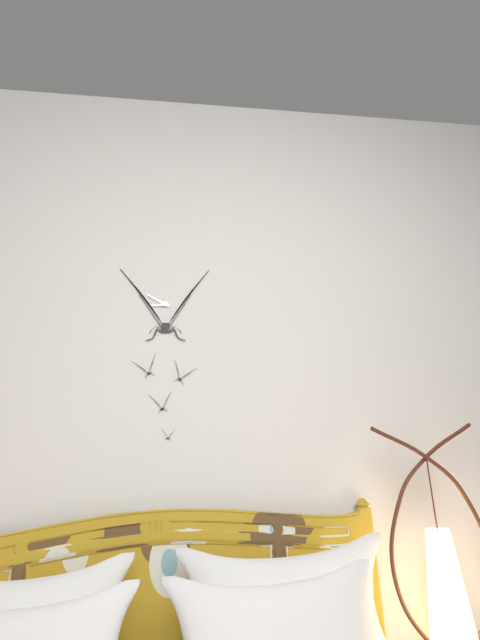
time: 8:50
